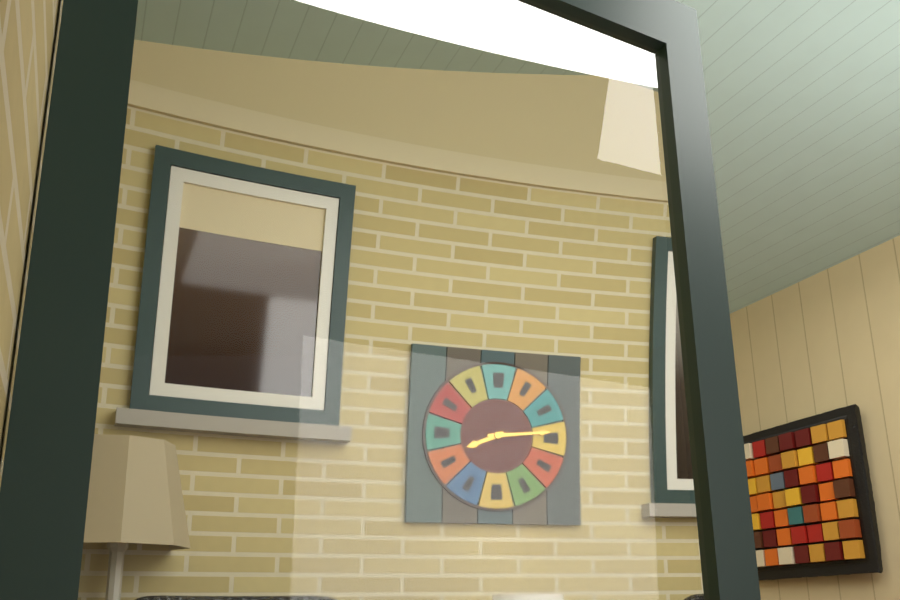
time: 8:14
